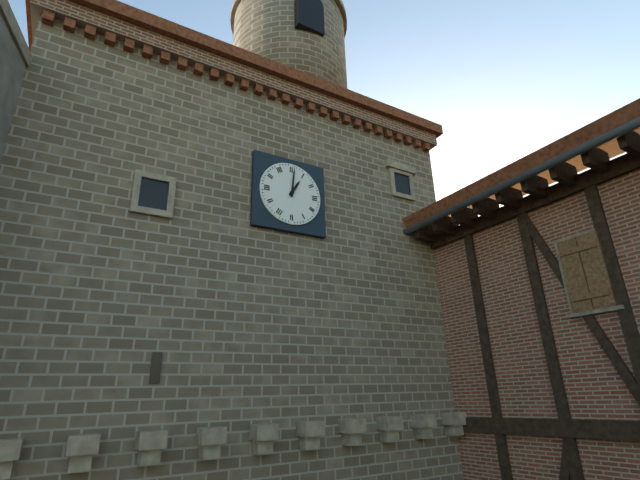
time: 1:01
